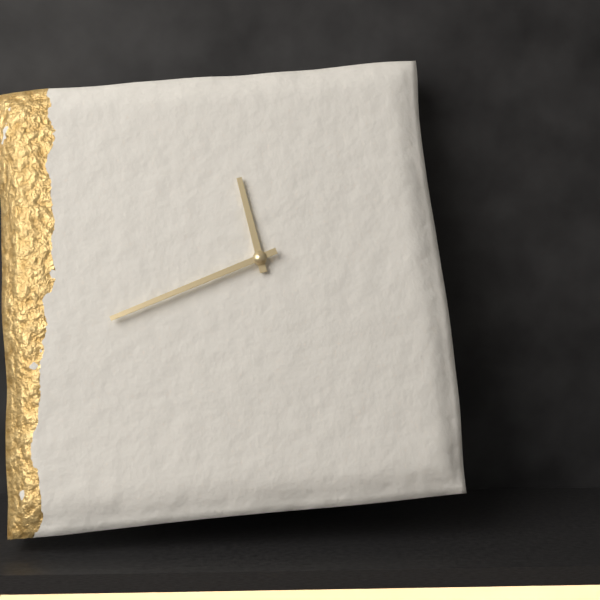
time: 11:42
